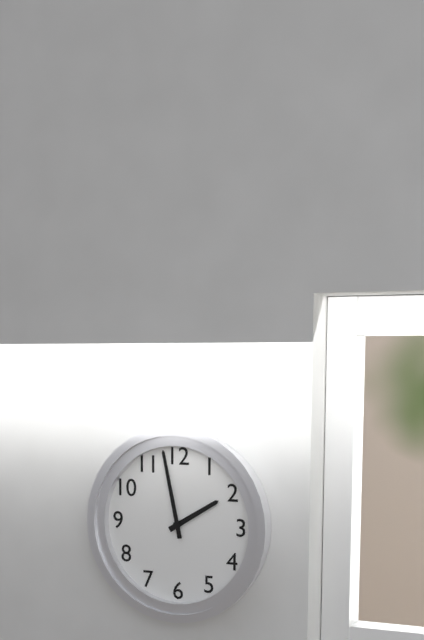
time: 1:58
